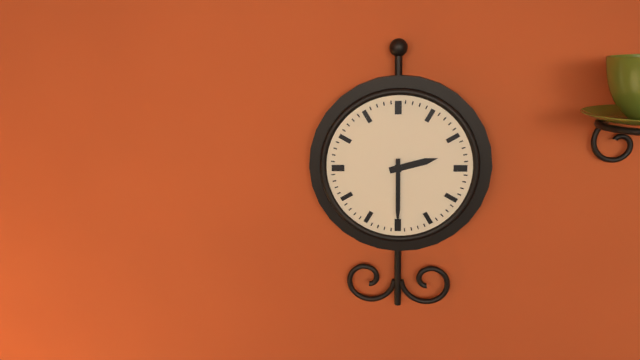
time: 2:30
